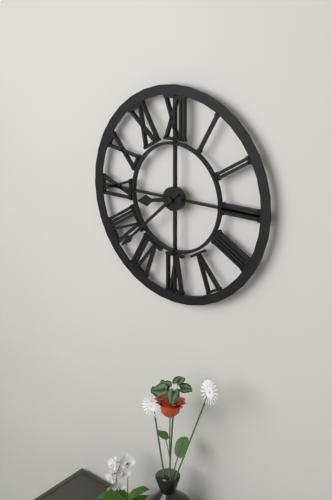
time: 8:38
